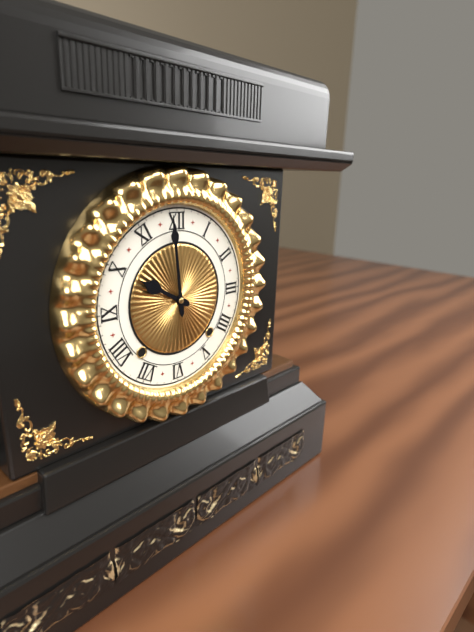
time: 9:59
